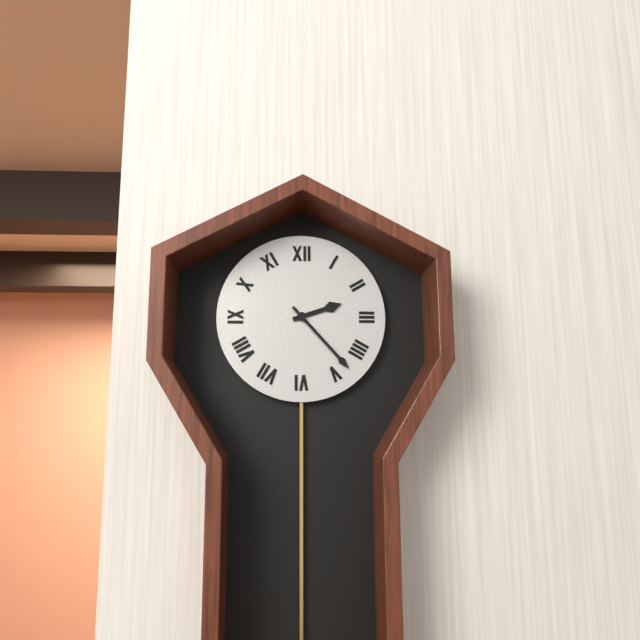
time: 2:23
